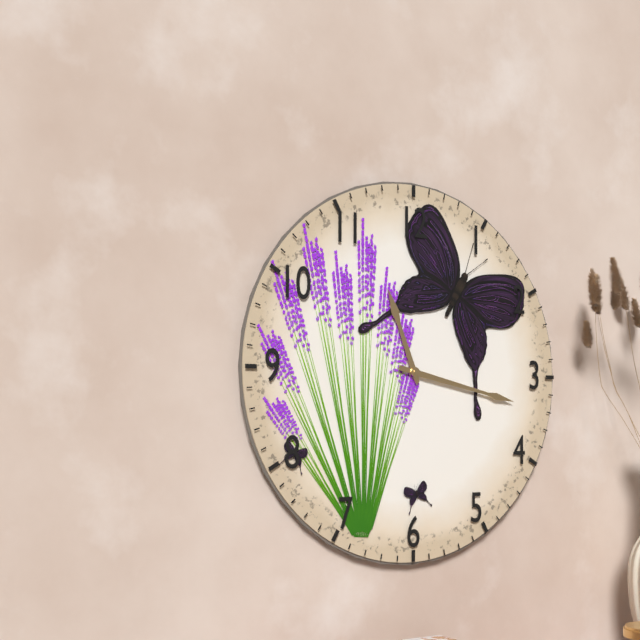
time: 11:17
